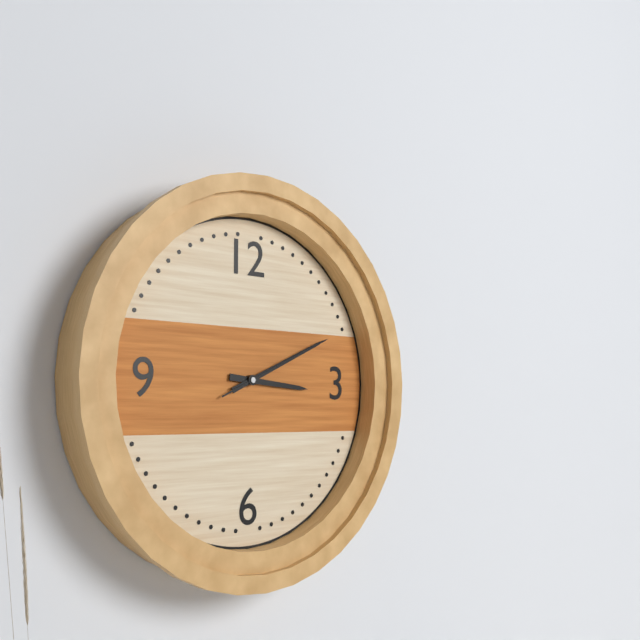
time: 3:11:11
